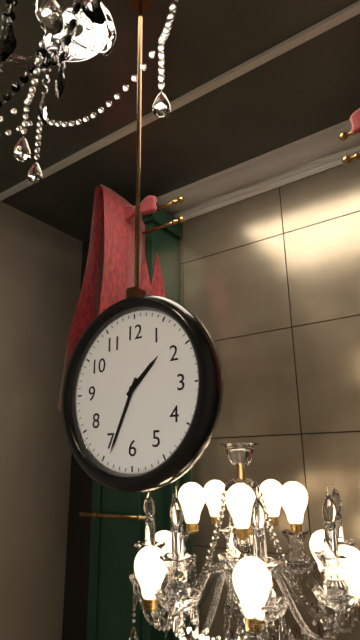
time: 1:34
